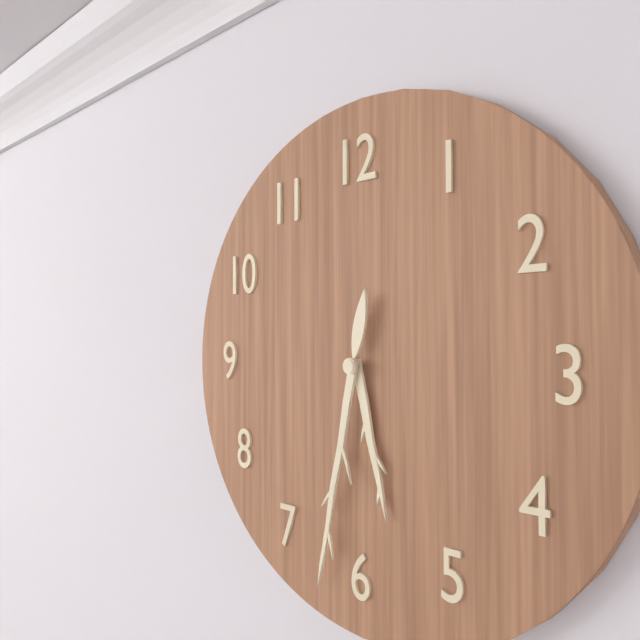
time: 5:32
